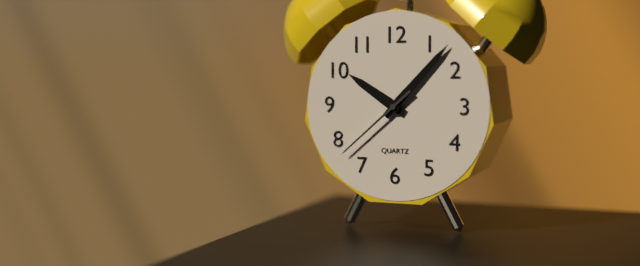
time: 10:07:38
